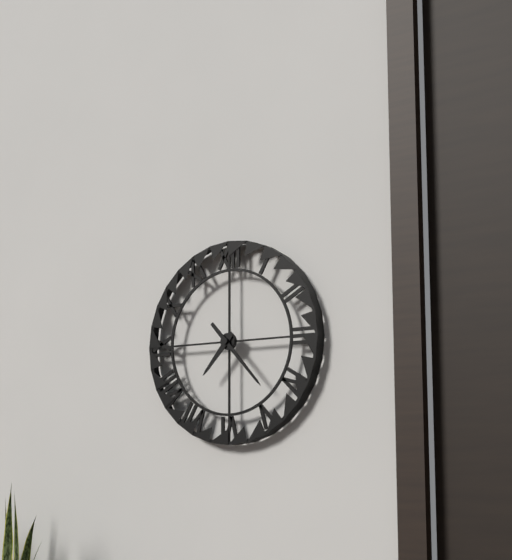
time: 7:23
